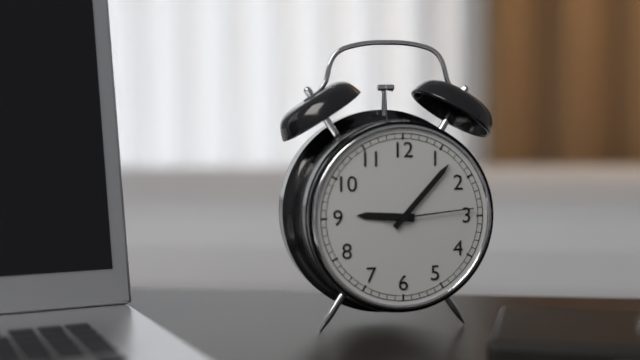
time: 9:07:14
